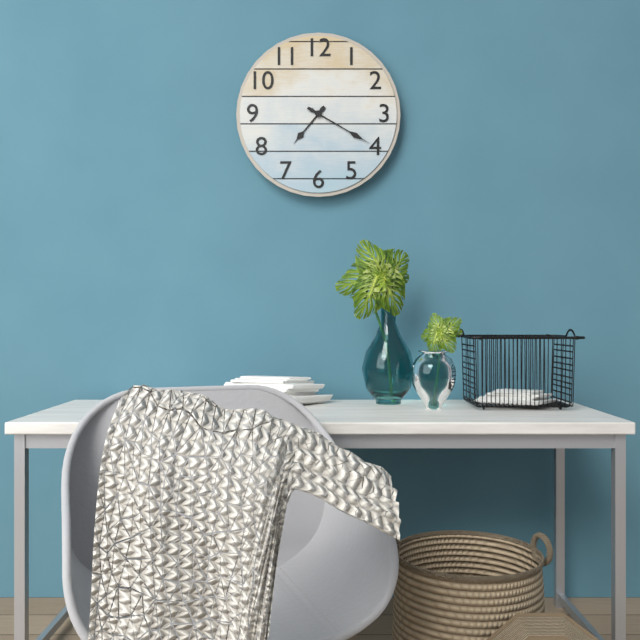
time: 7:20
